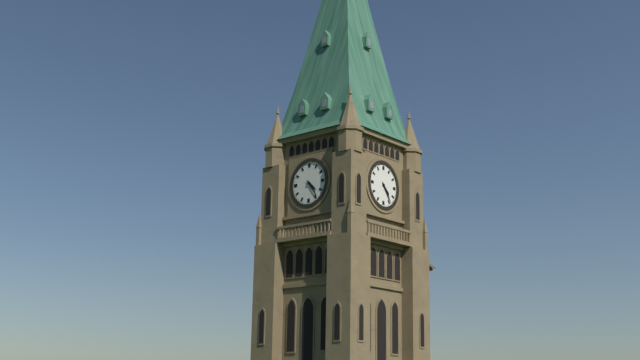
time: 4:24
